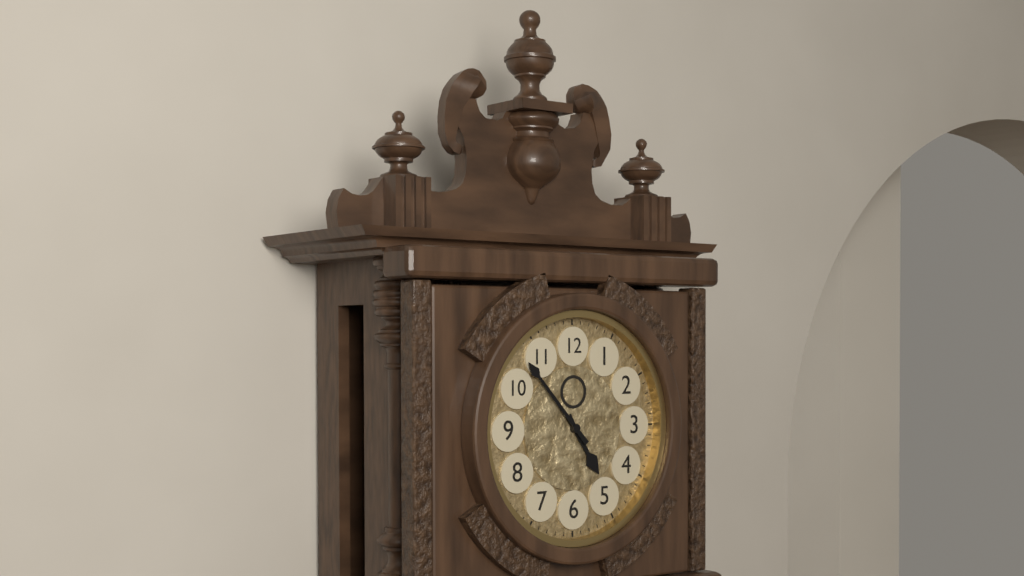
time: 4:53
